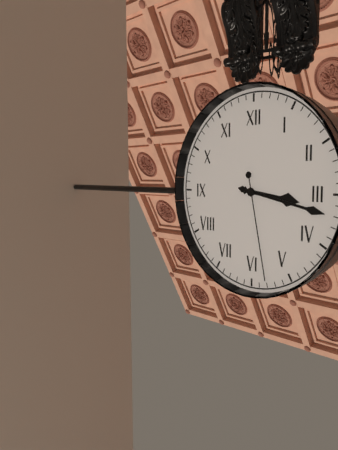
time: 3:17:28
